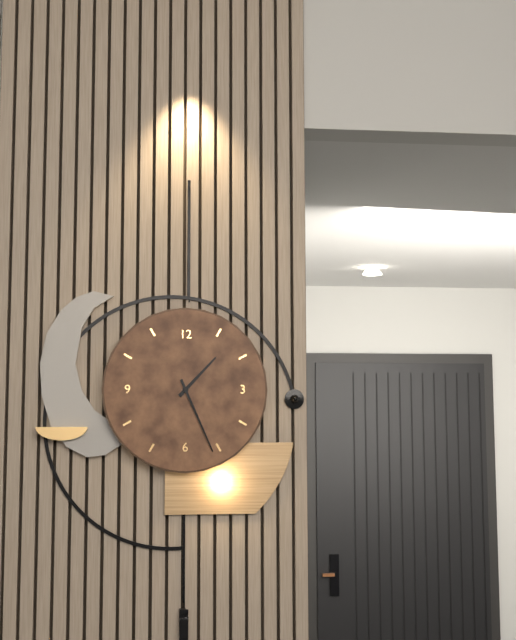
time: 1:26
